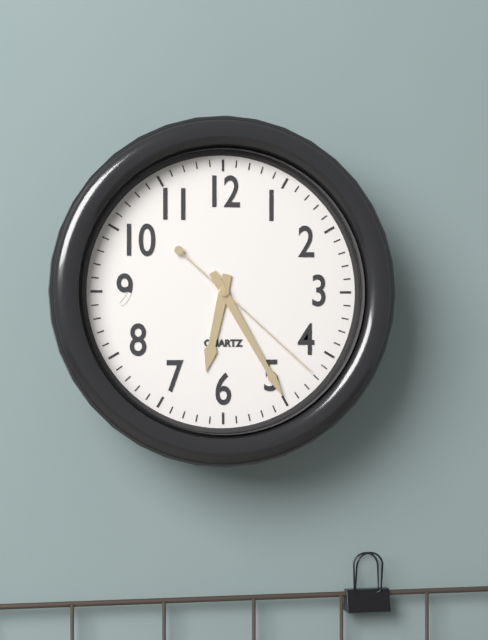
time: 6:25:22
